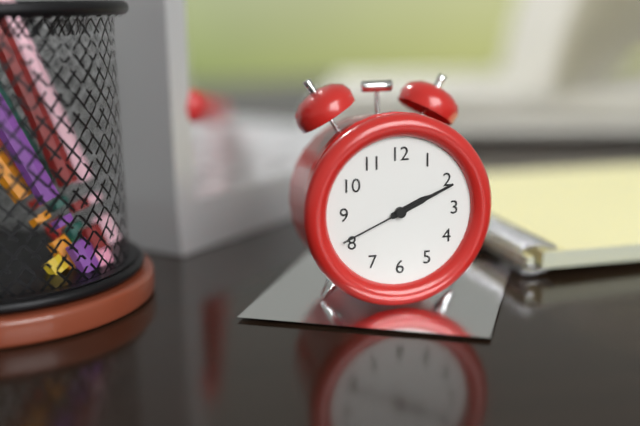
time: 2:11:41
